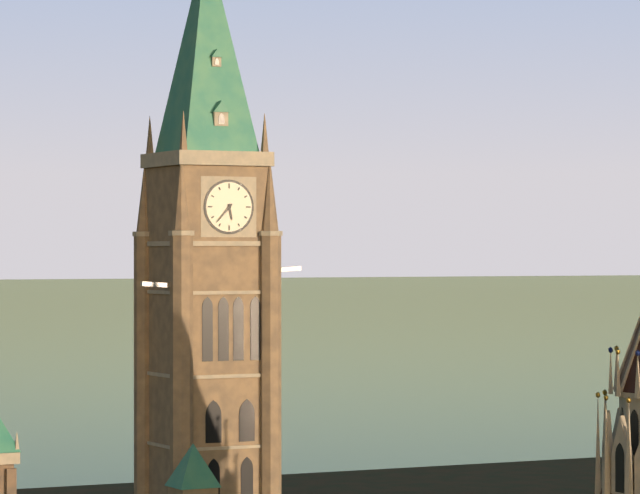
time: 5:37
